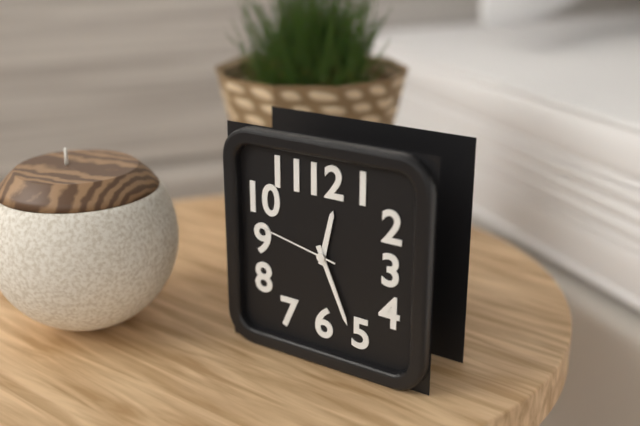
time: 12:26:47
